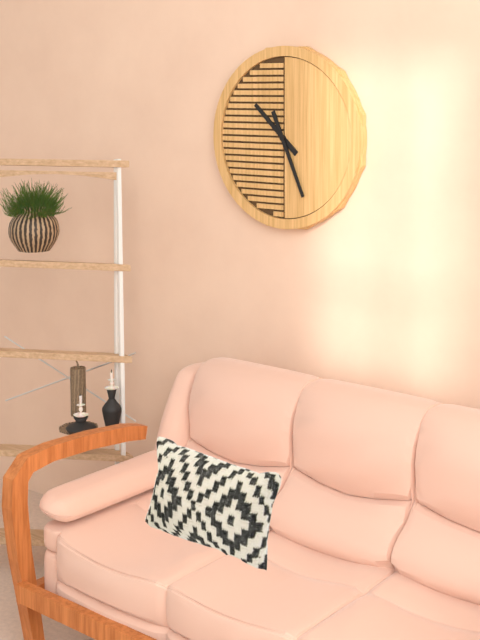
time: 10:26
